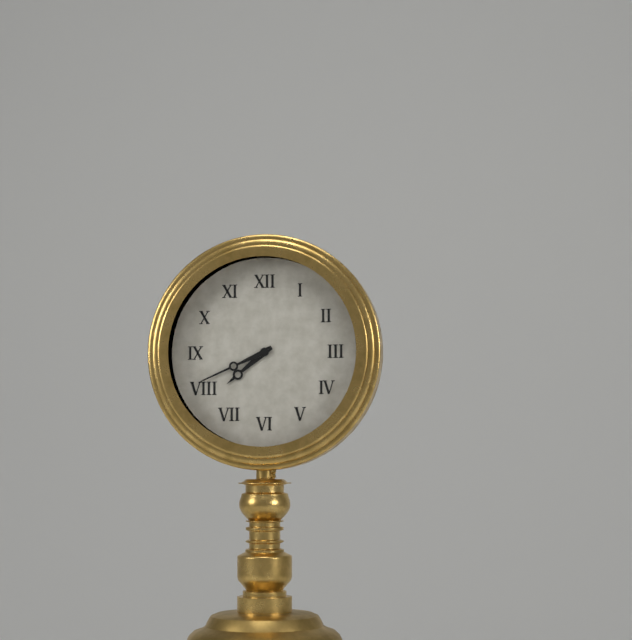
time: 7:41
